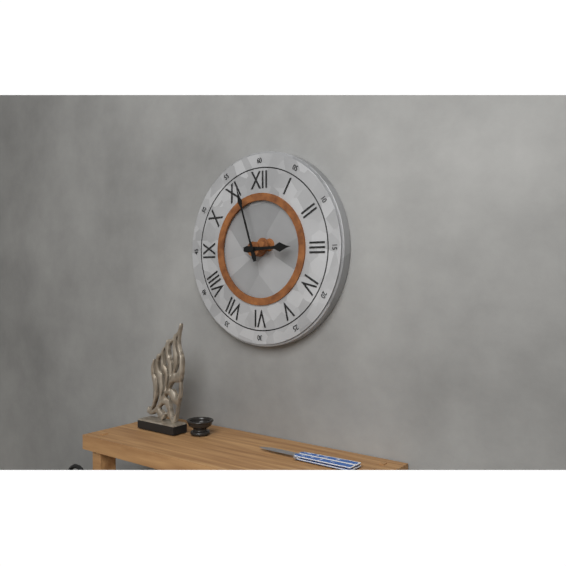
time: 2:57
